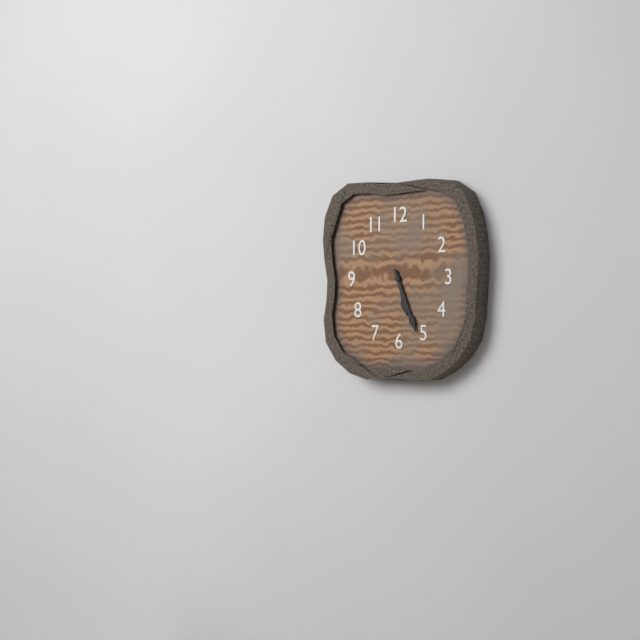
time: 5:26
